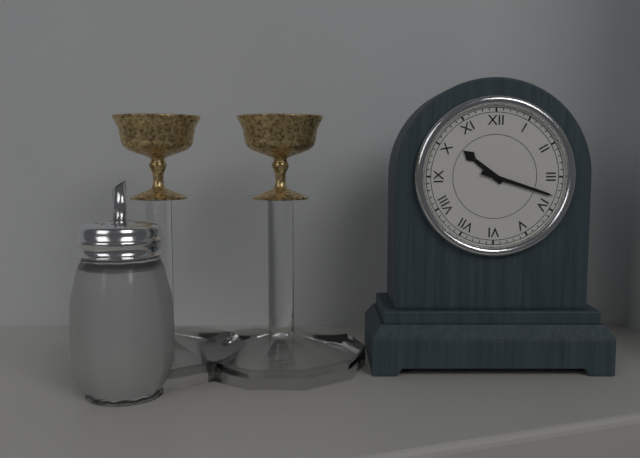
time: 10:18
